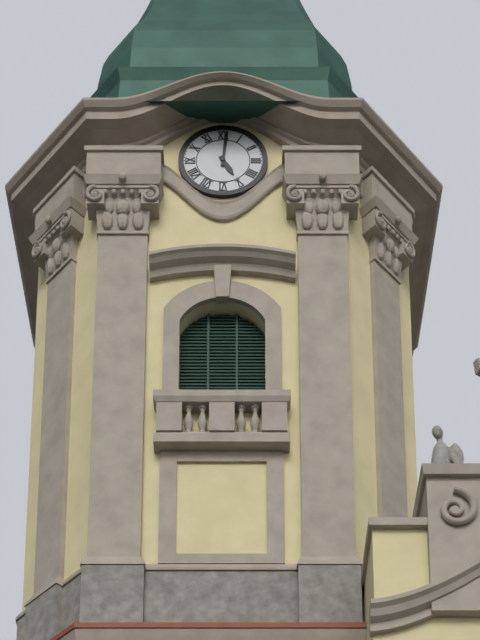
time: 5:01
